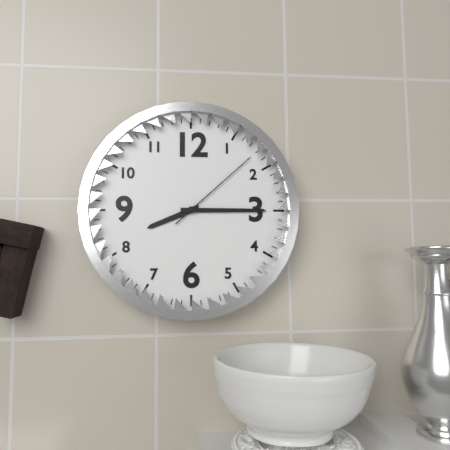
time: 8:15:08
